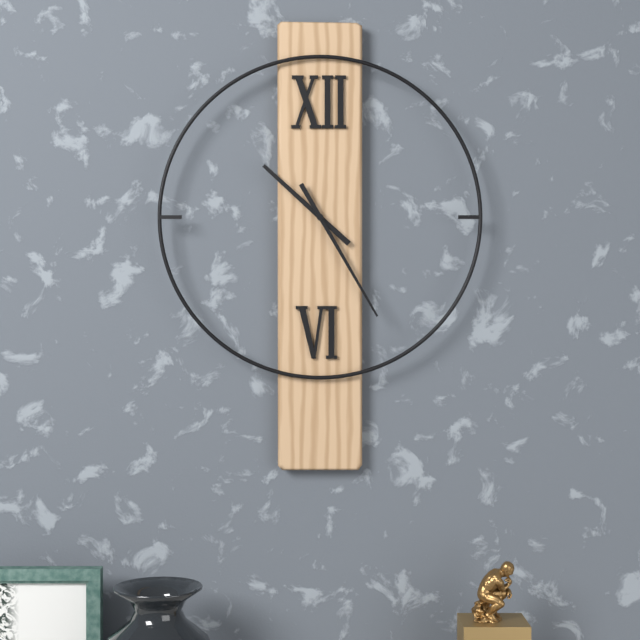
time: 10:25
